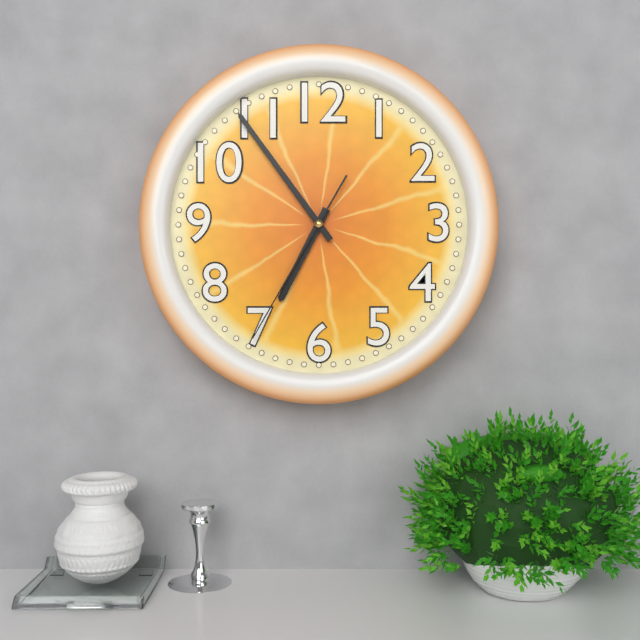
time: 6:54:35
